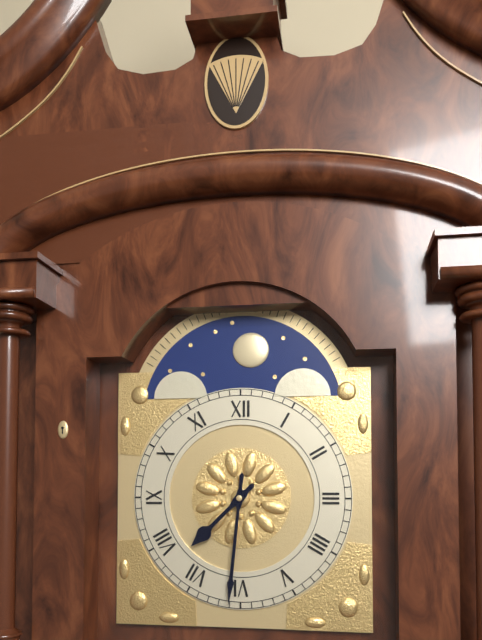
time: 7:31
